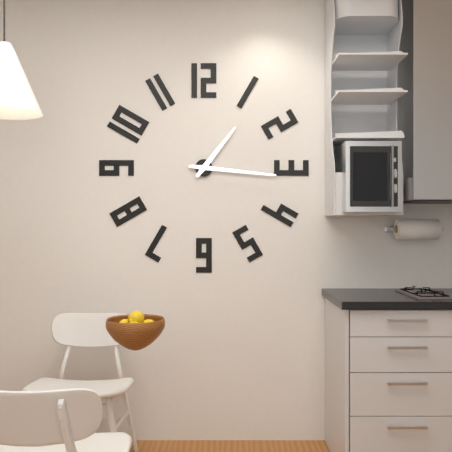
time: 1:16
